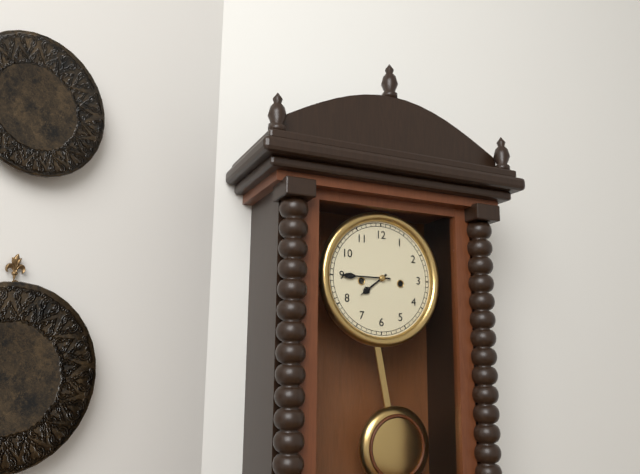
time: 7:45
